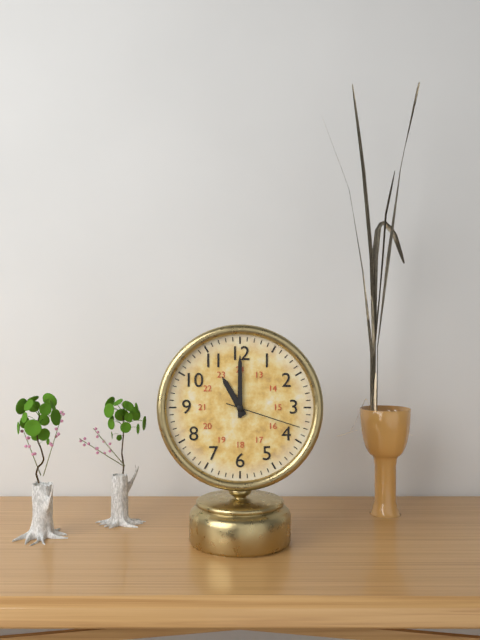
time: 11:00:18
